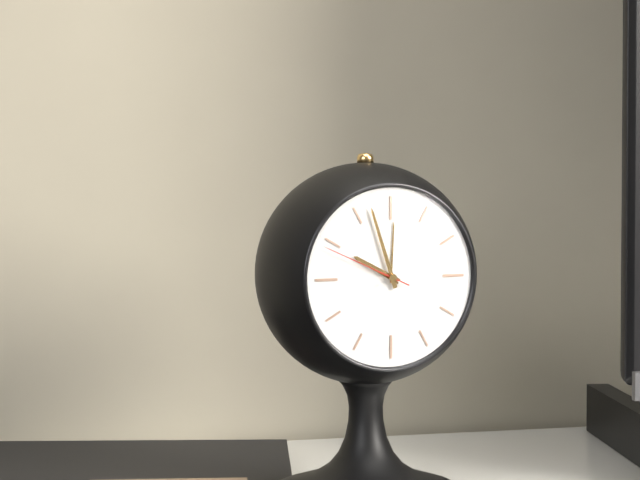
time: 9:57:49
